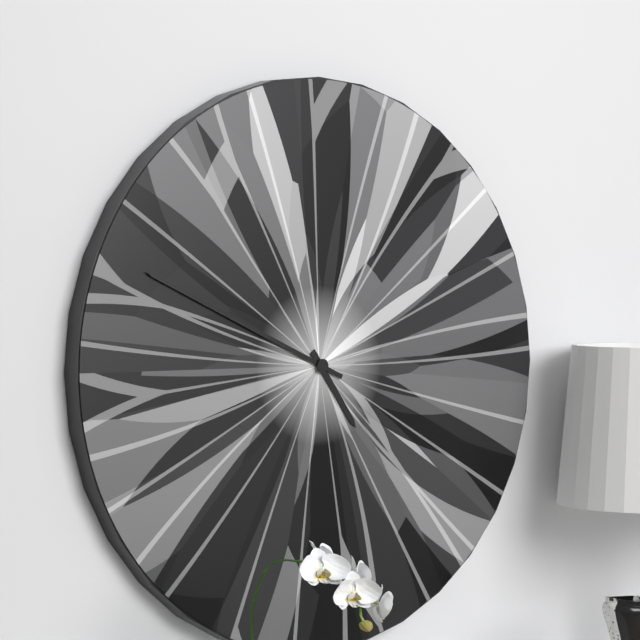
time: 4:49
